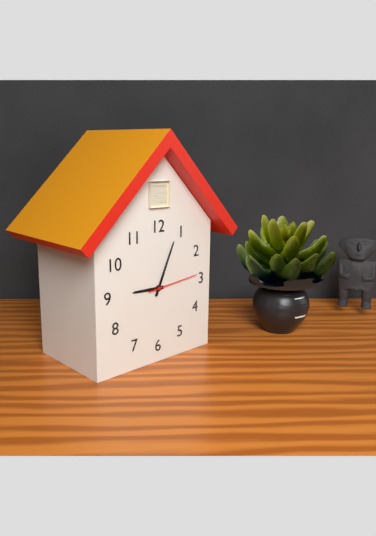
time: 9:04:14
